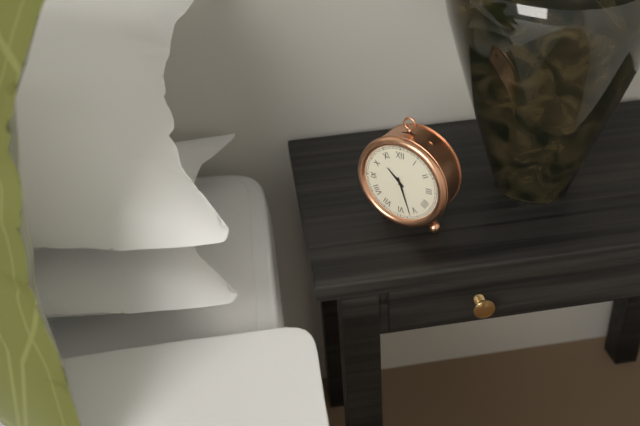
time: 10:27
